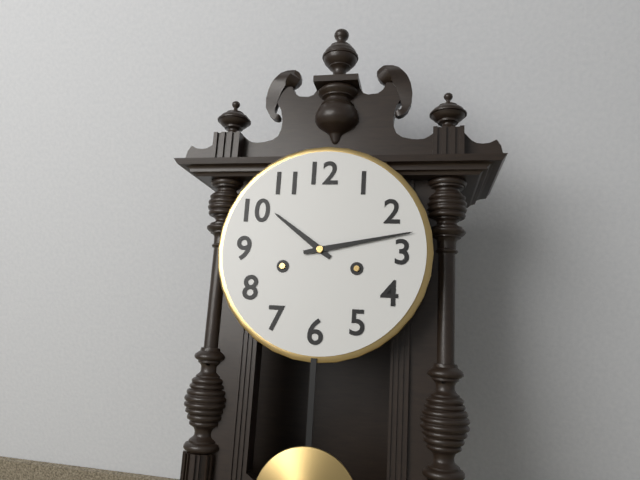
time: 10:13
